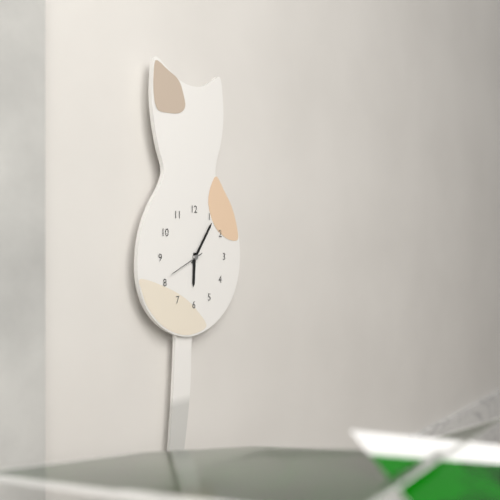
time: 6:06
